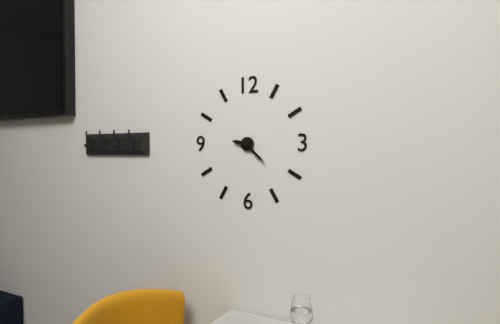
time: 9:22
